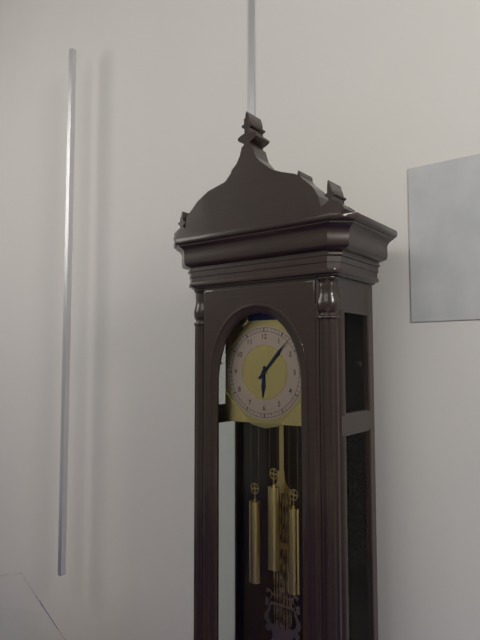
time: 6:07
